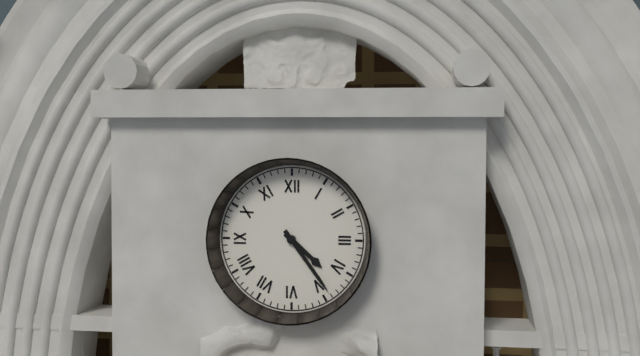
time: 4:24
